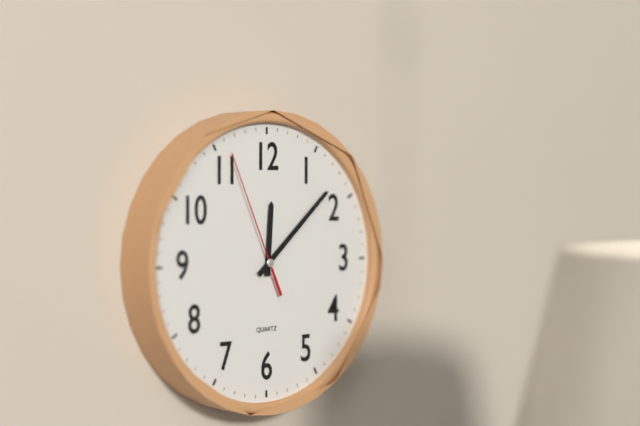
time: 12:08:56
